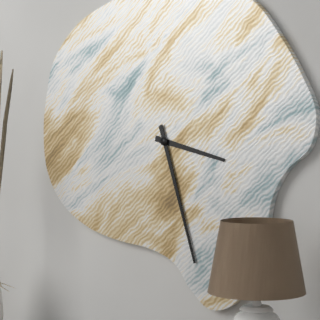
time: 3:27
